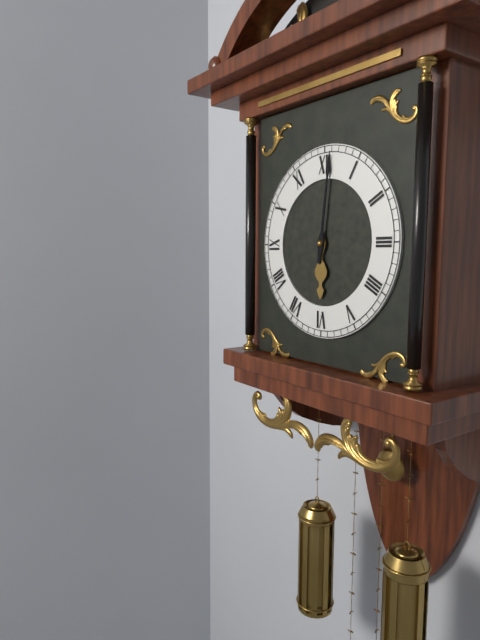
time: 6:01
